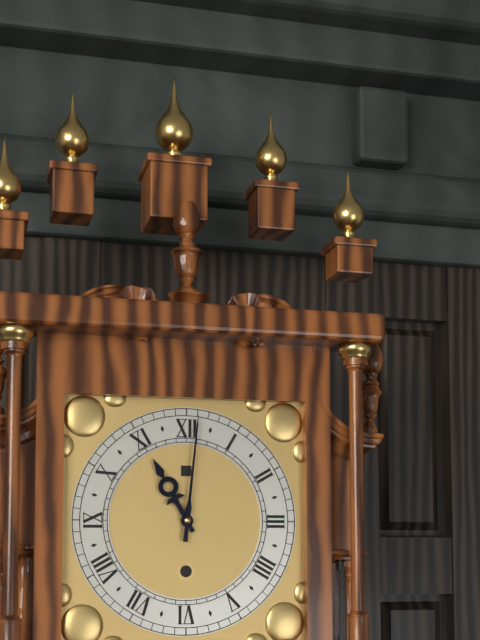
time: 11:01
